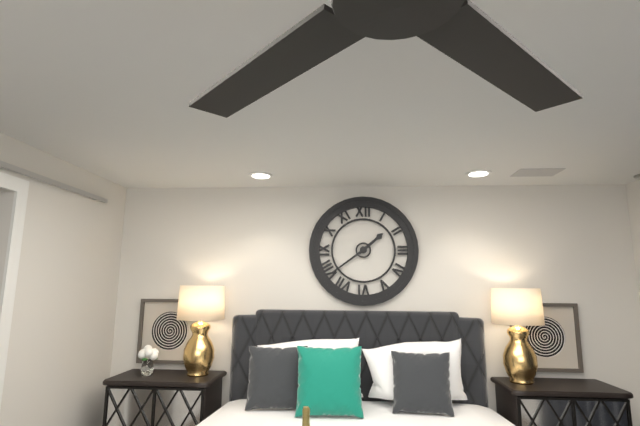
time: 1:39
